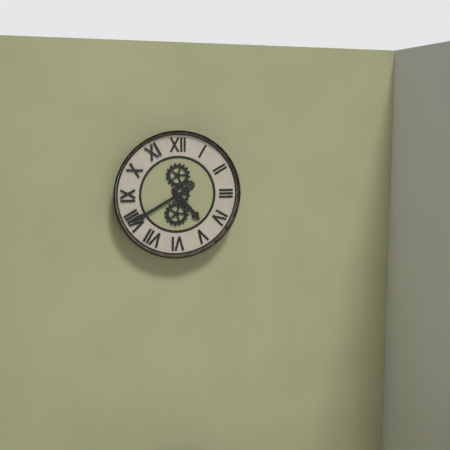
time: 4:40
